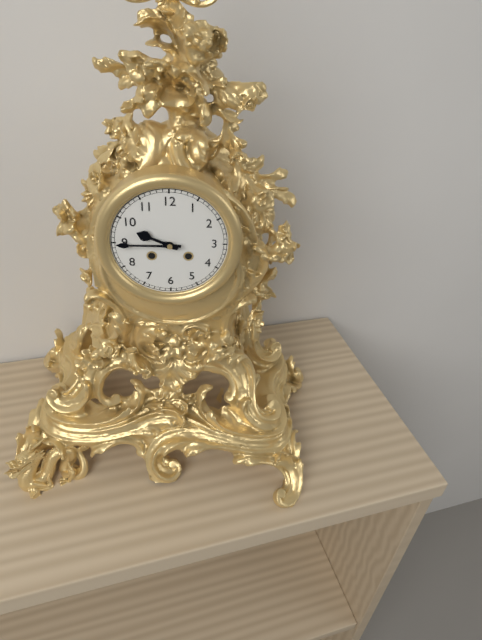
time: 9:45
